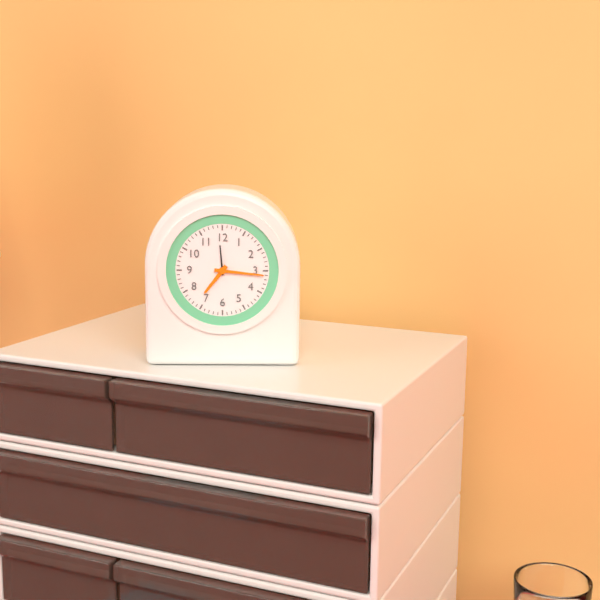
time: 7:16
